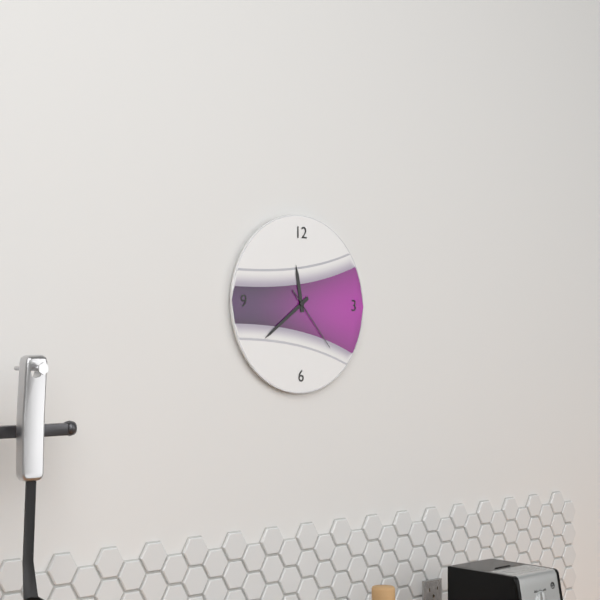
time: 11:39:23
